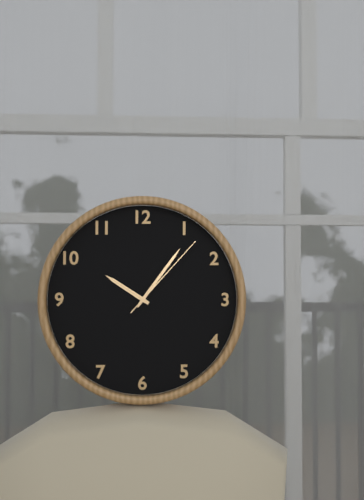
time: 10:06:07
